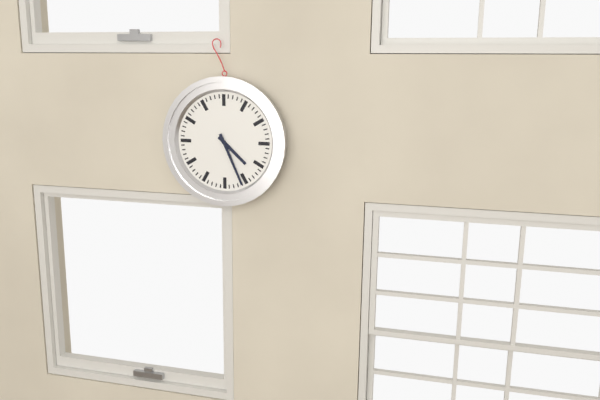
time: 4:26
